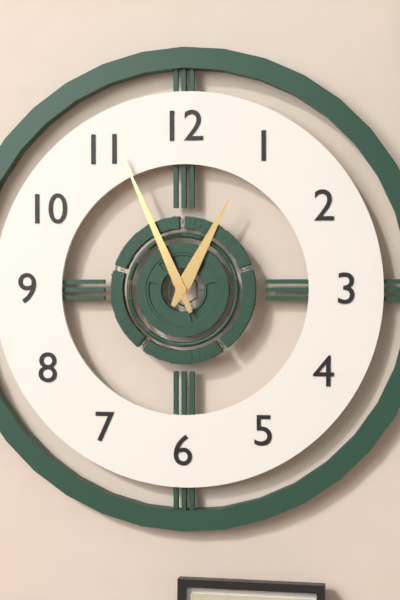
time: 12:56
